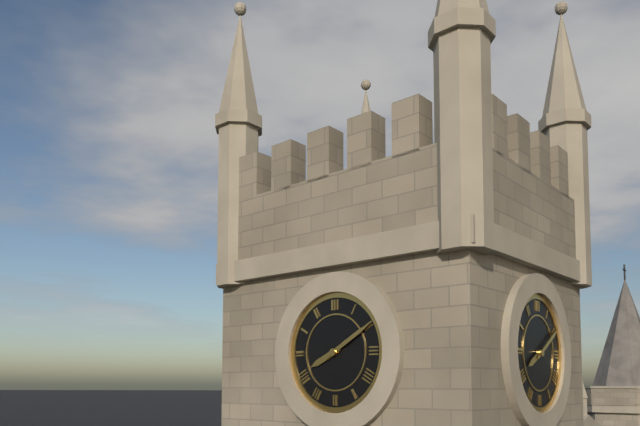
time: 8:10
